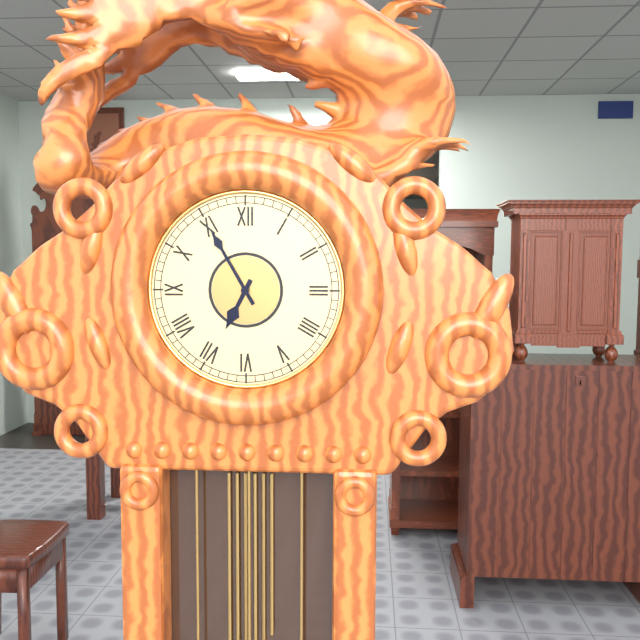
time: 6:55
